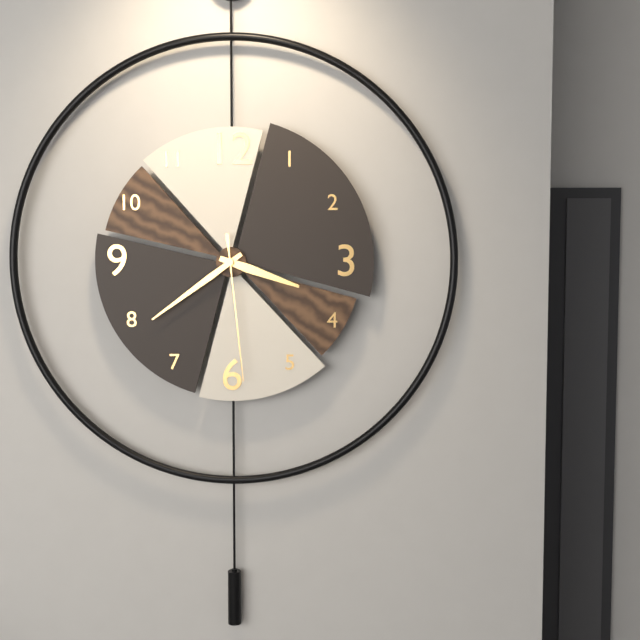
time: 3:39:29
